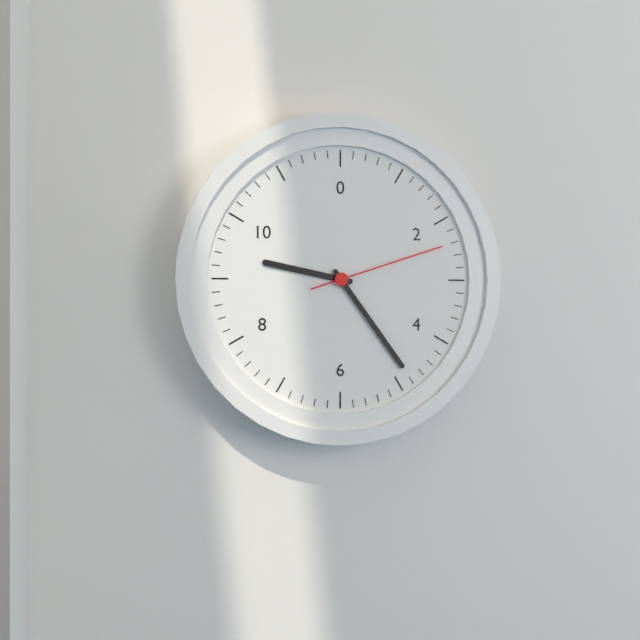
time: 9:24:12
